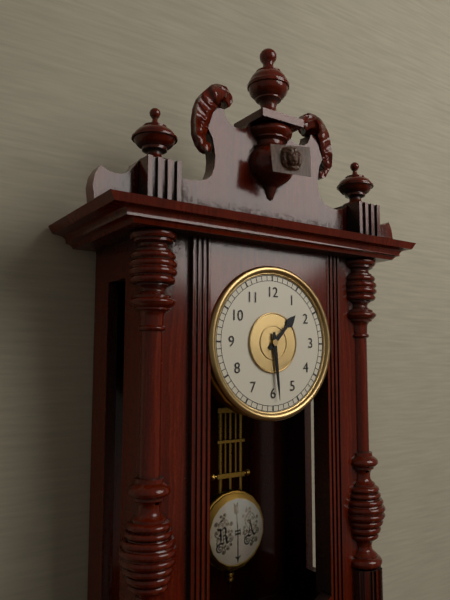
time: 1:29
